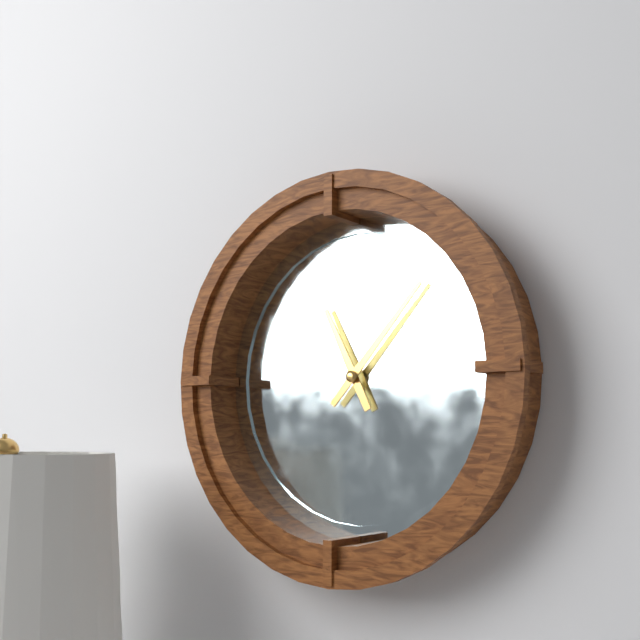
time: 11:07
